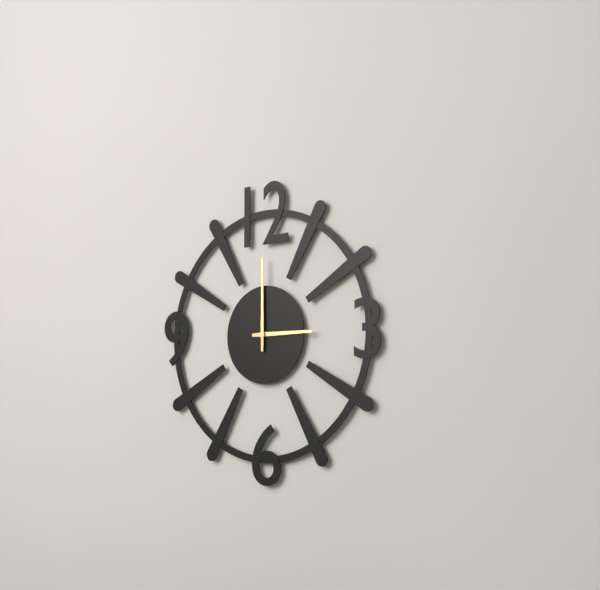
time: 3:00
